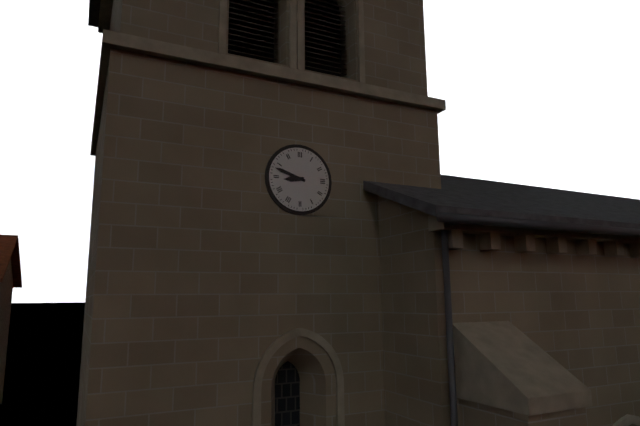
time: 8:48
